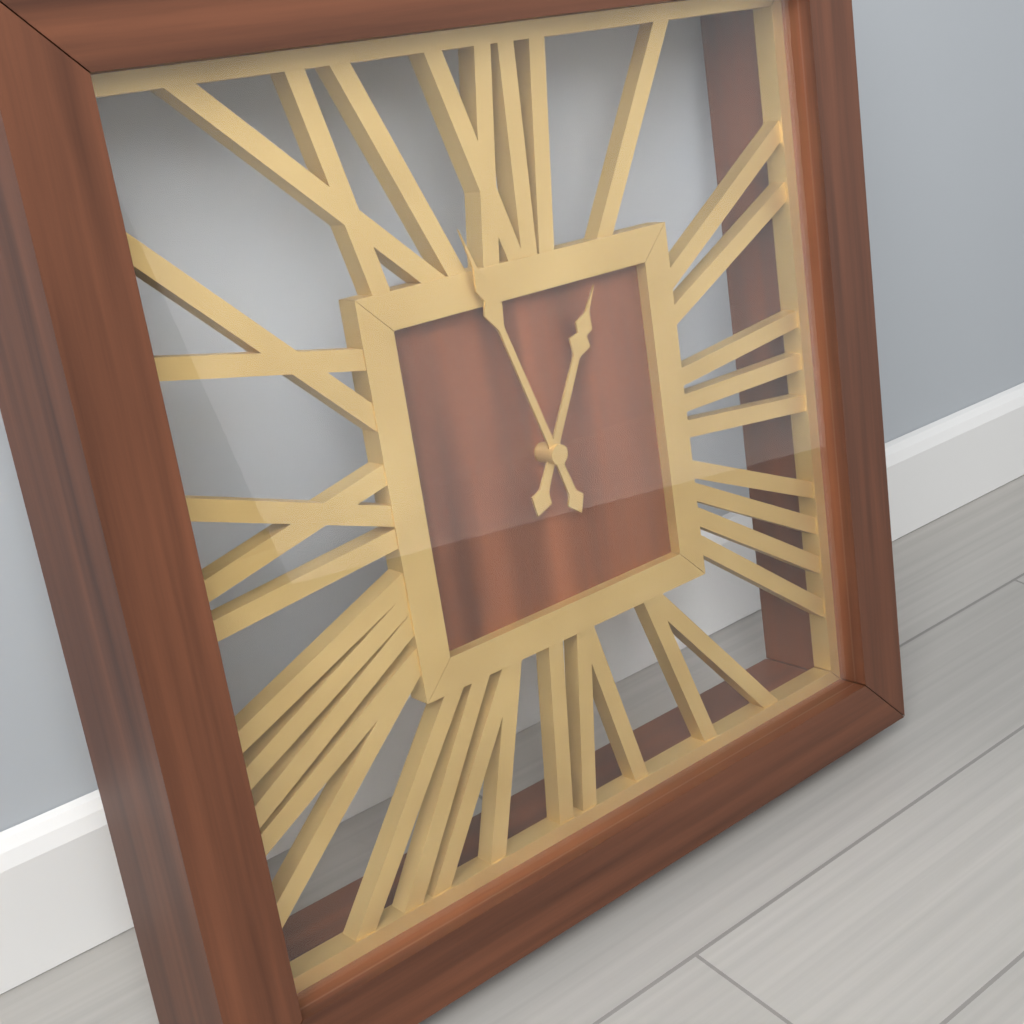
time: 12:57
